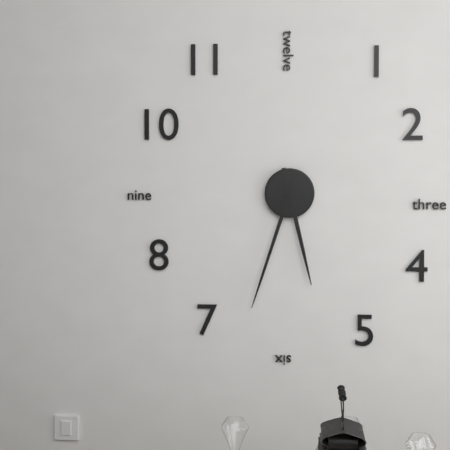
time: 5:33
